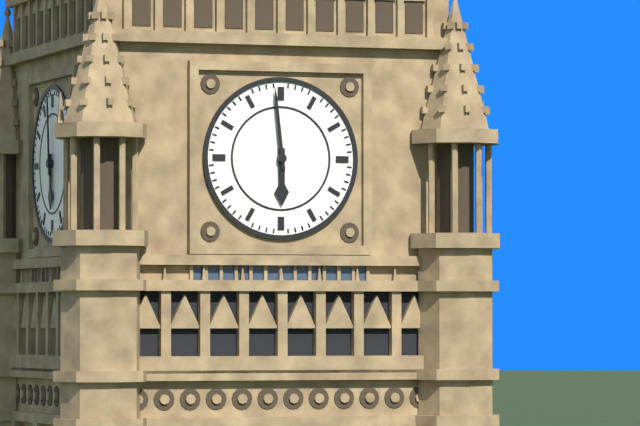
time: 5:59
